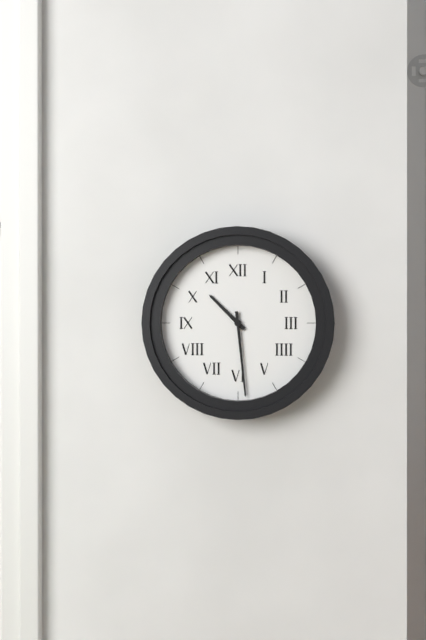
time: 10:29
